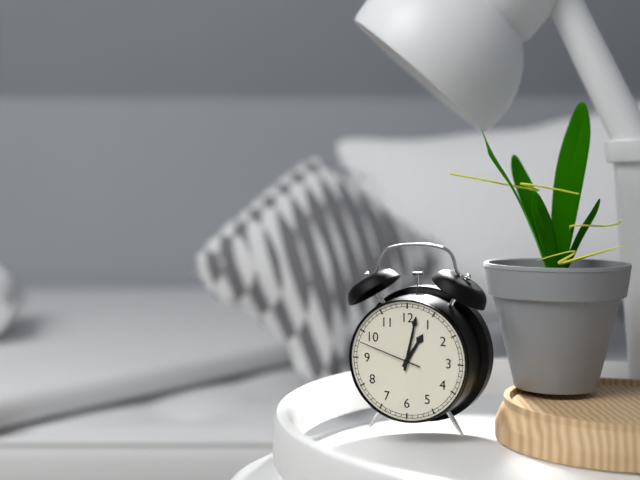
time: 1:02:48
